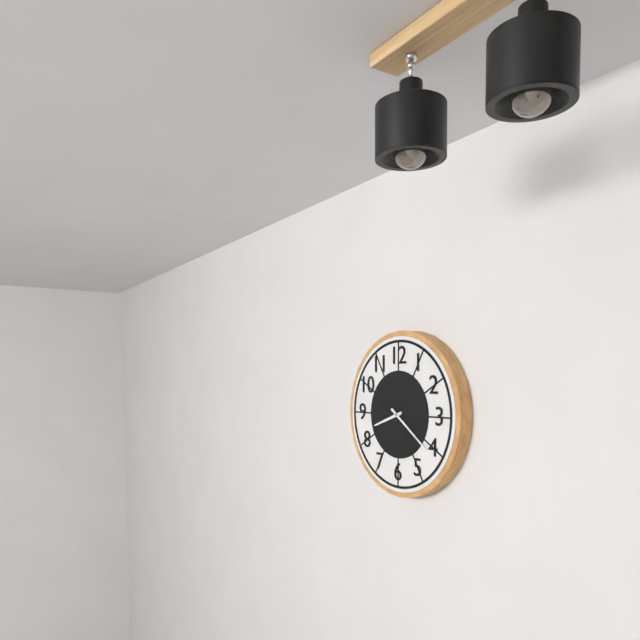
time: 8:21
